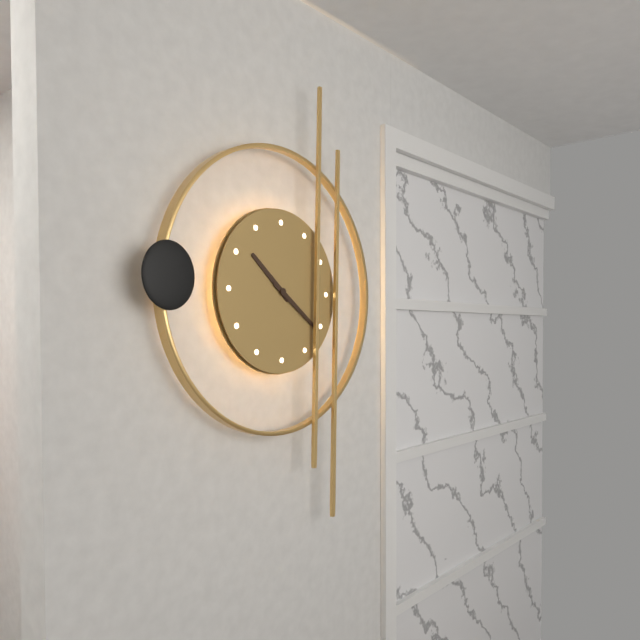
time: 10:21
